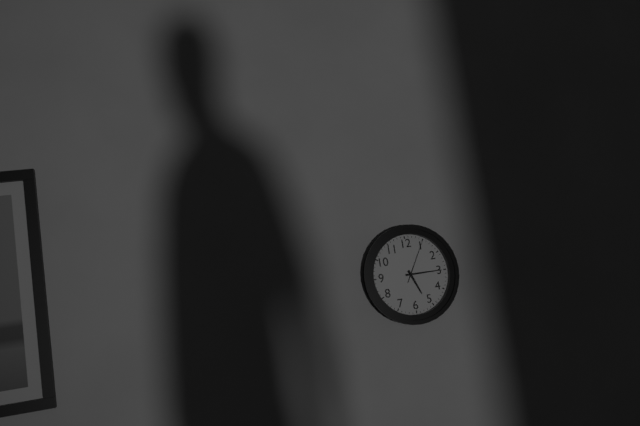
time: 5:15
